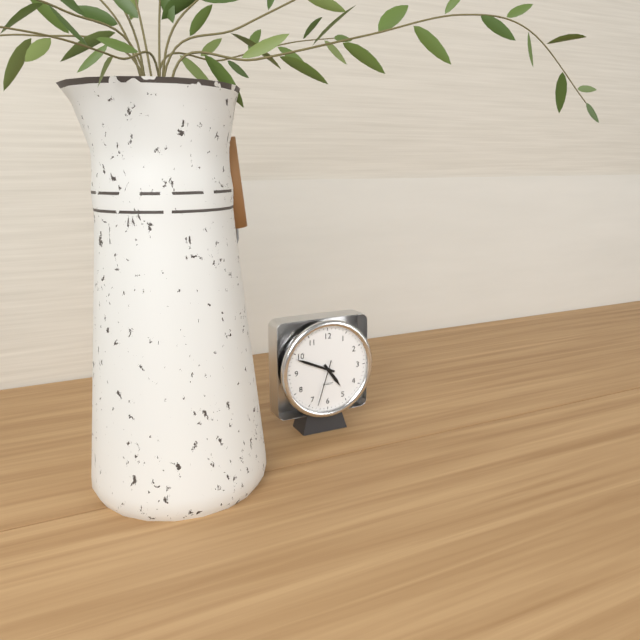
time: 4:49
